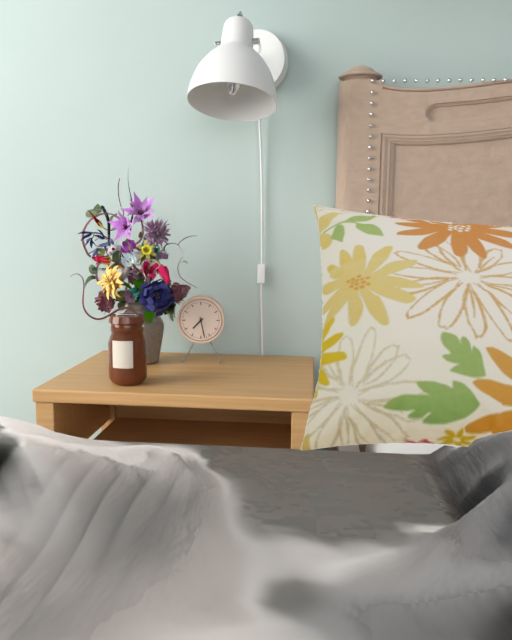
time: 7:28
